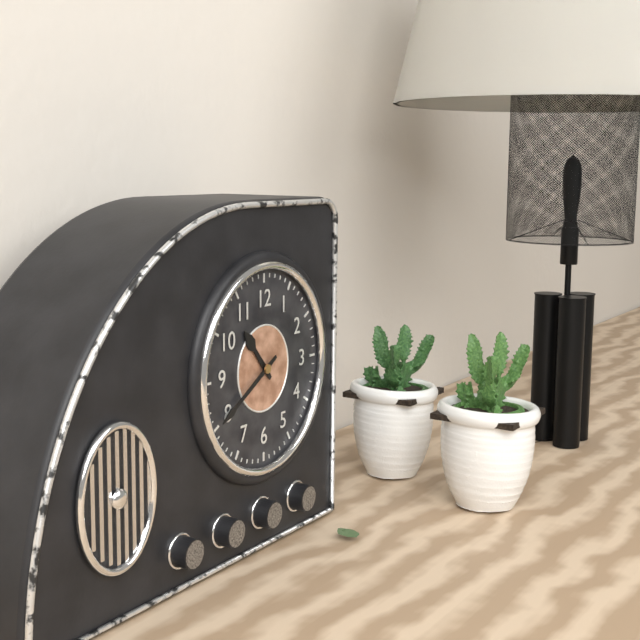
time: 10:40
